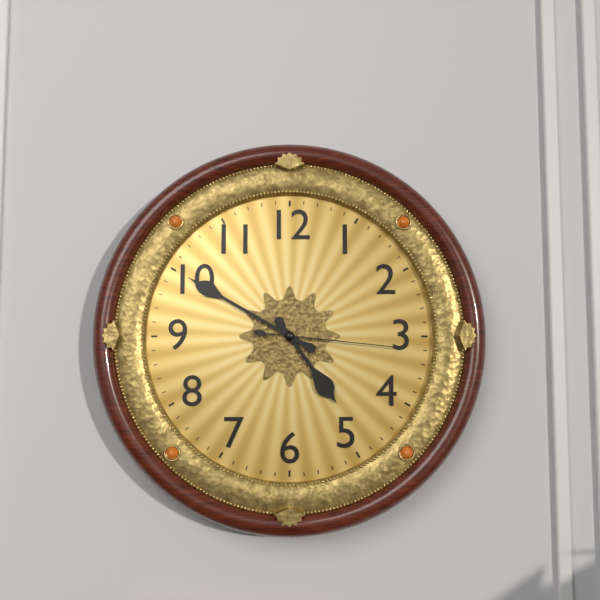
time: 4:50:16
